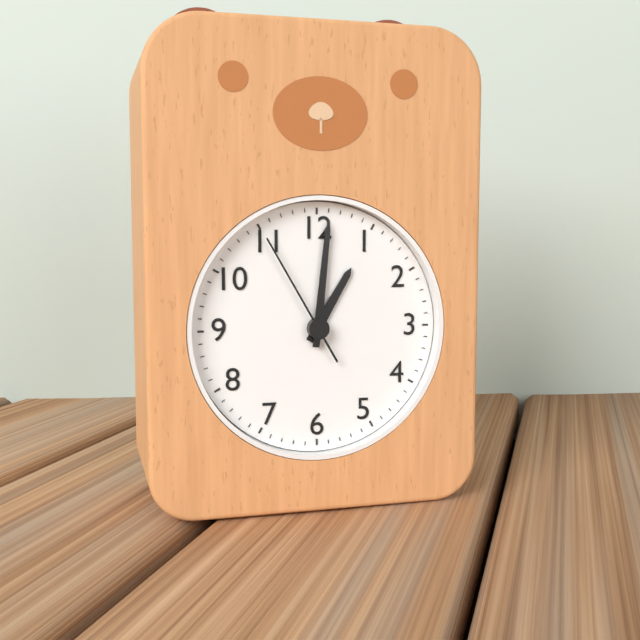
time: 1:01:55
